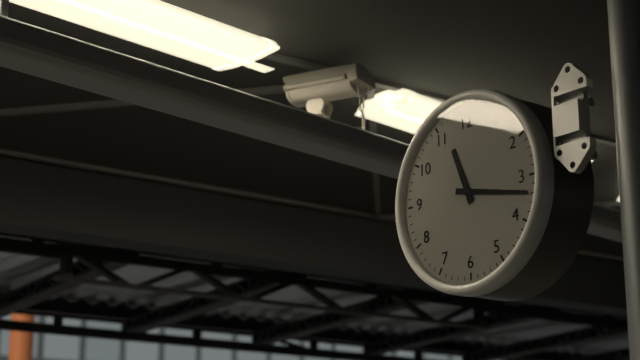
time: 11:17
